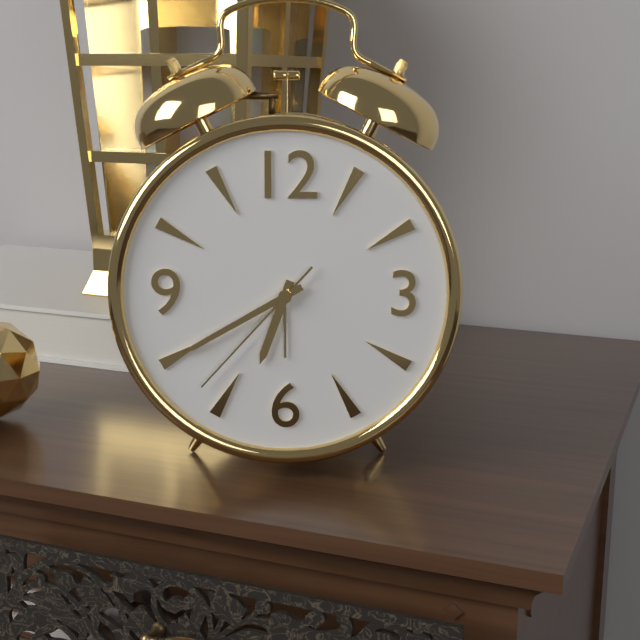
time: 6:40:37
